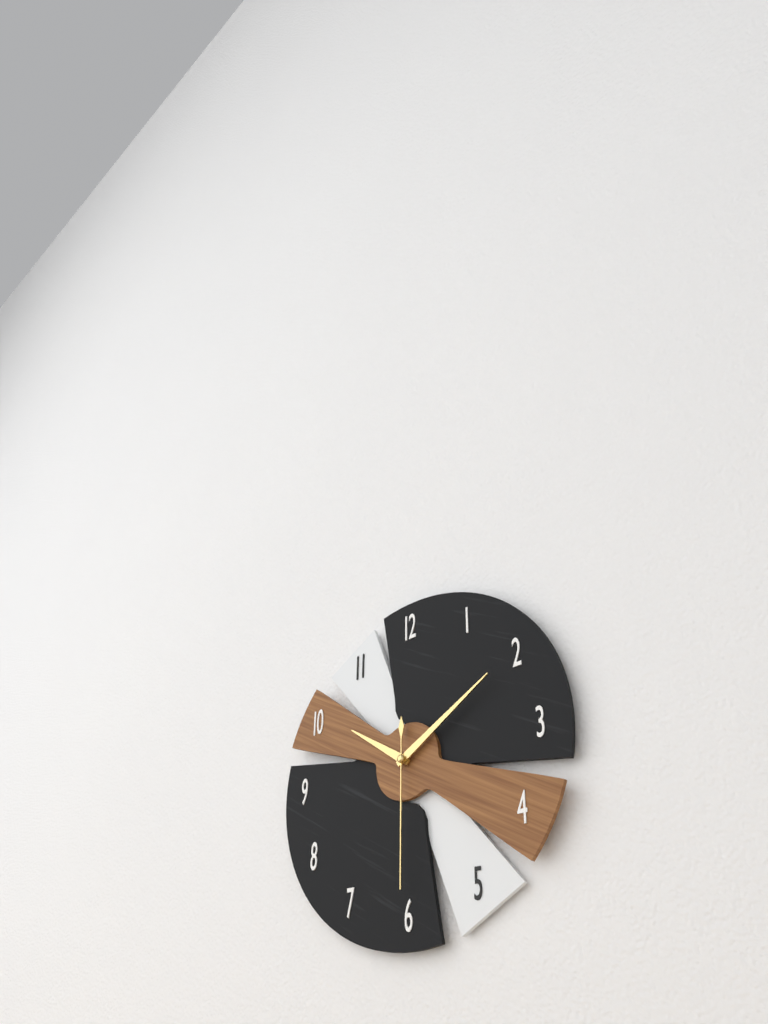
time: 10:10:30
